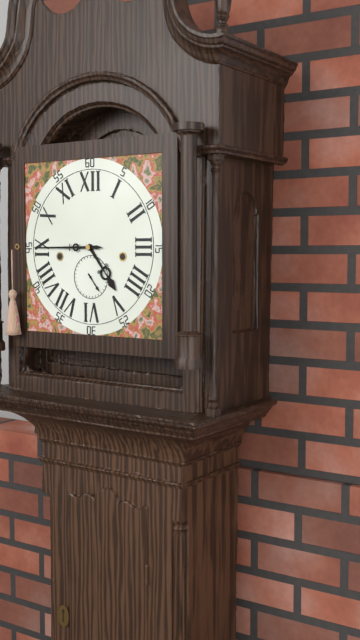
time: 4:45
